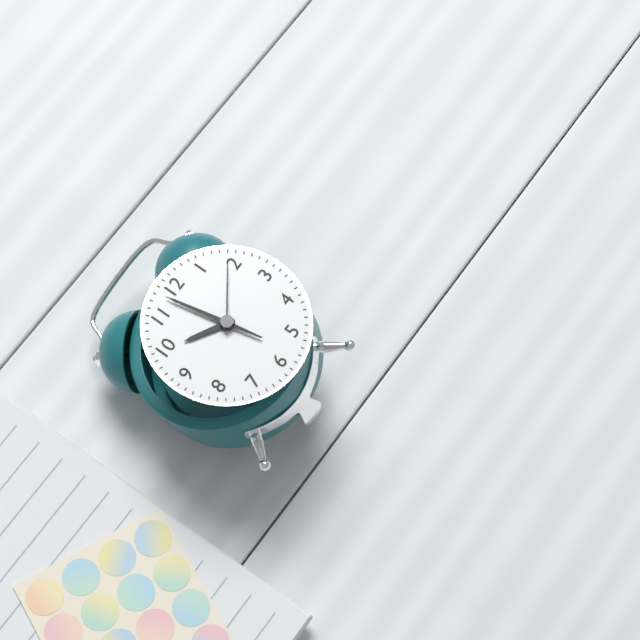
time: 9:58:09
